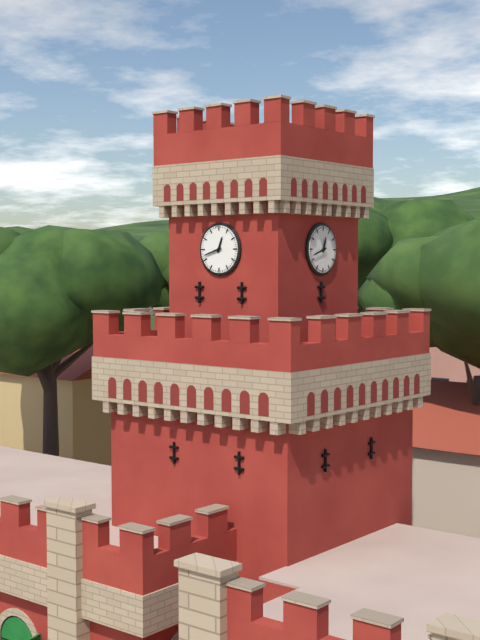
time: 12:42
